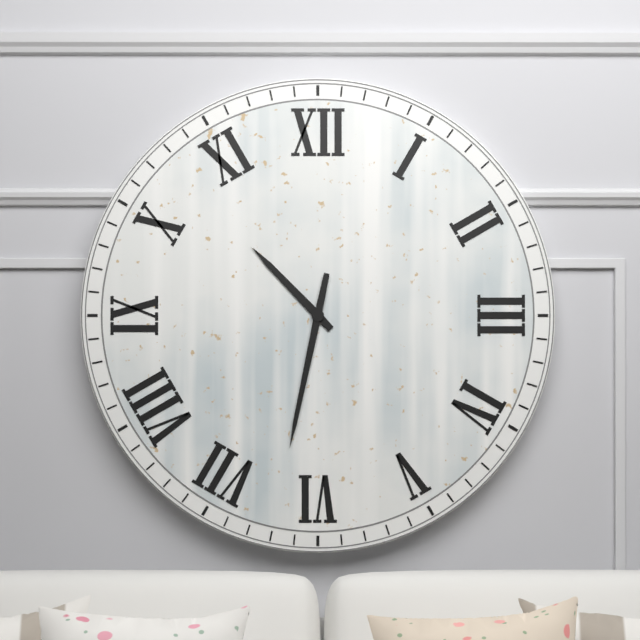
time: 10:32
